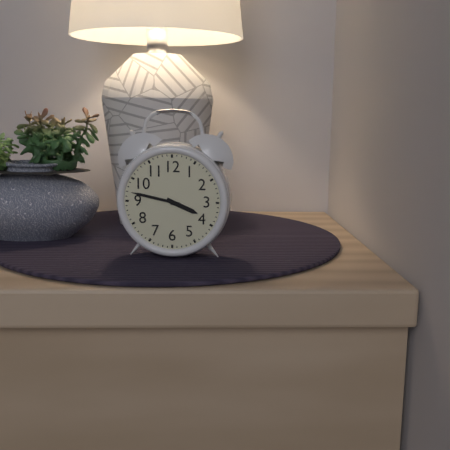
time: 3:47
